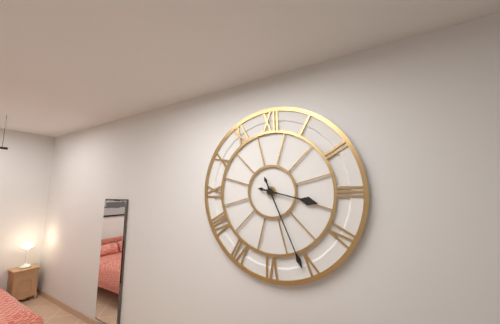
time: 3:26
